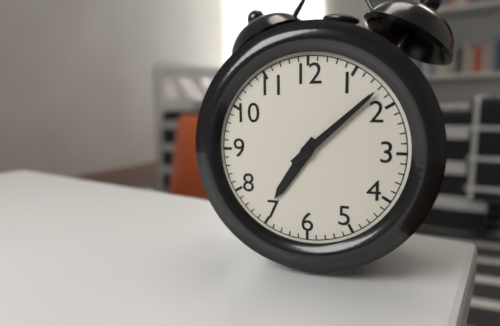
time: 7:08
